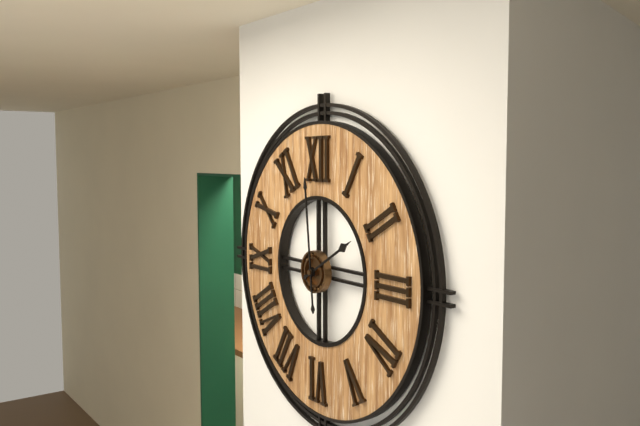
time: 1:59
